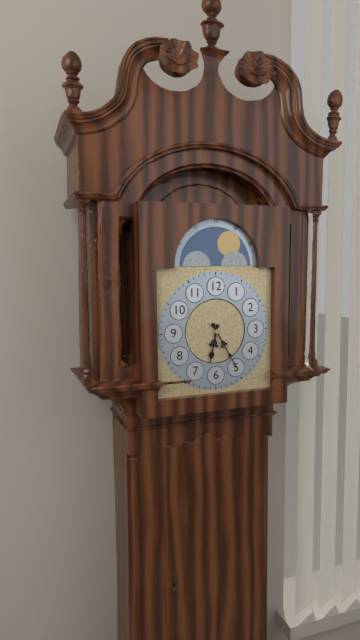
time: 6:25
